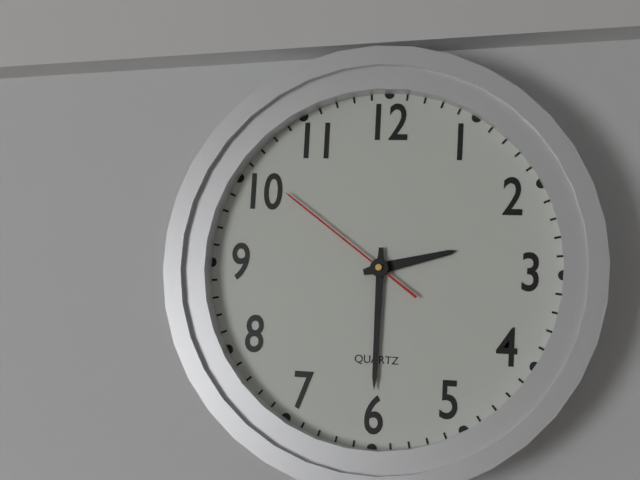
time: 2:30:51
